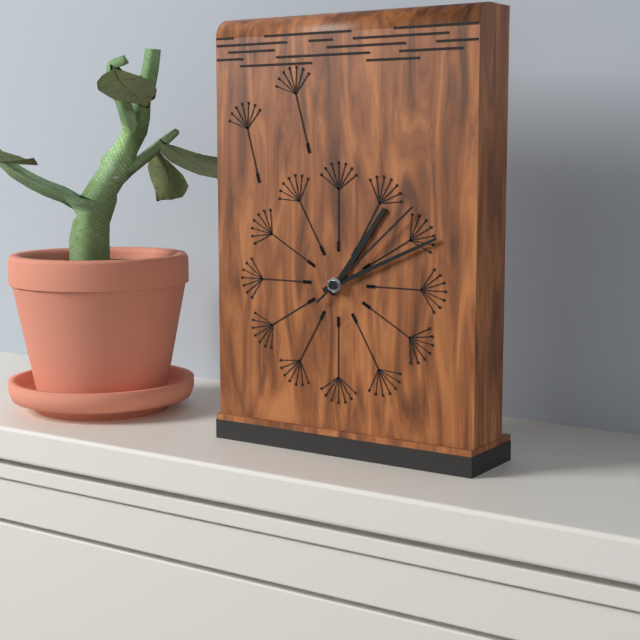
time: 1:11:08
